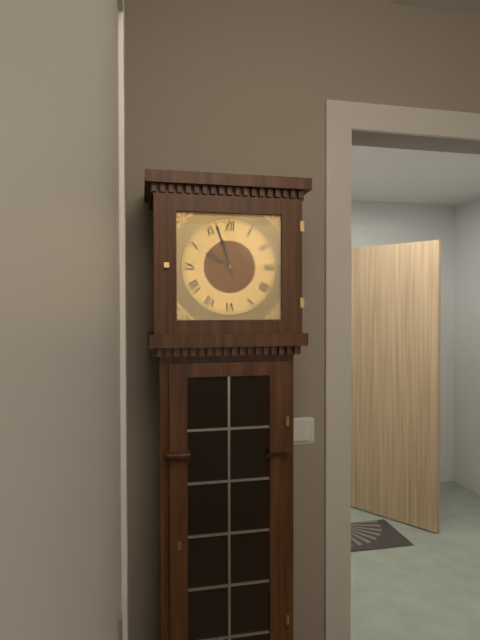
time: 9:57
